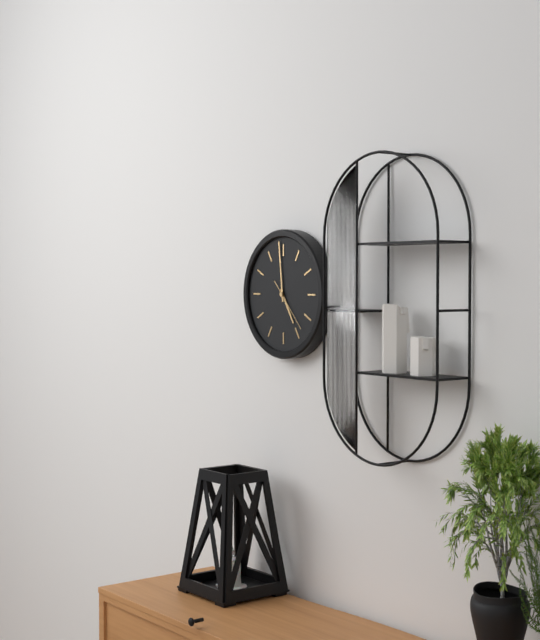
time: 4:59
